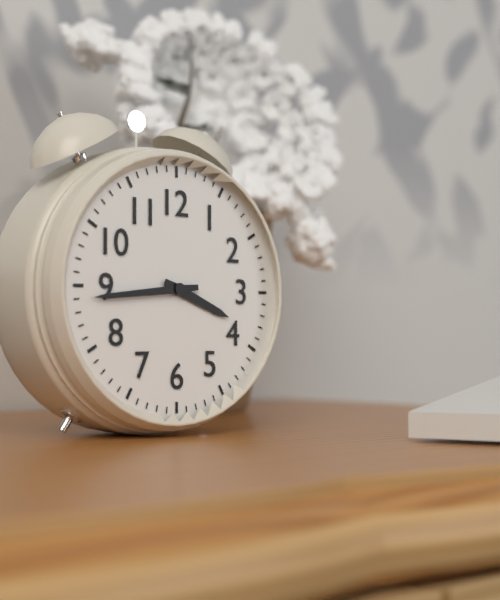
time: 3:44
